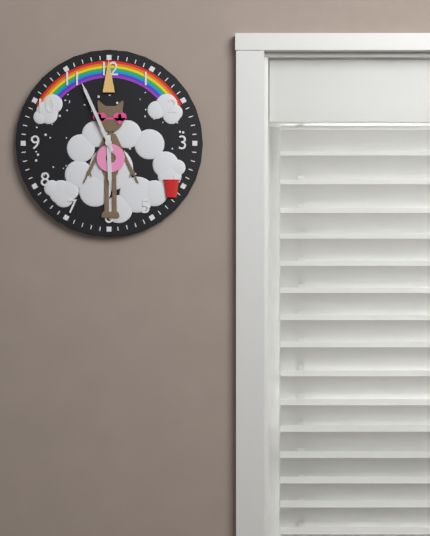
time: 5:56
